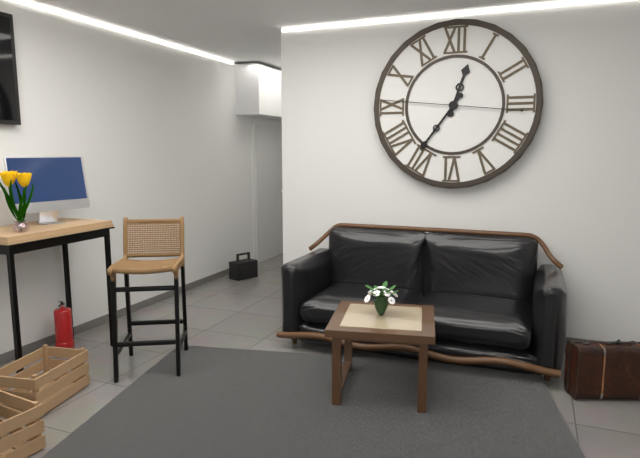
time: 12:36:46
